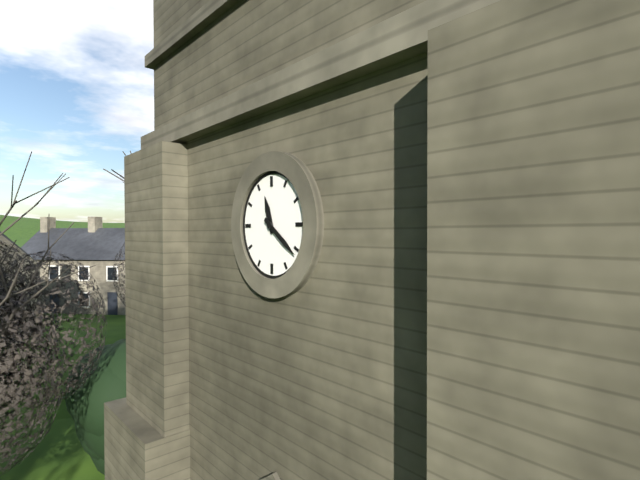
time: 11:21
